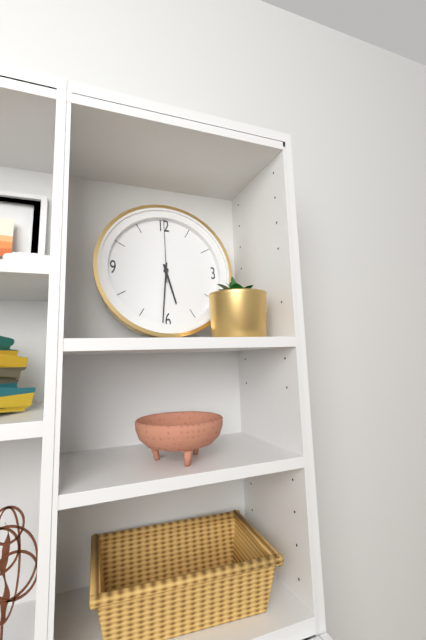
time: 5:31:00
